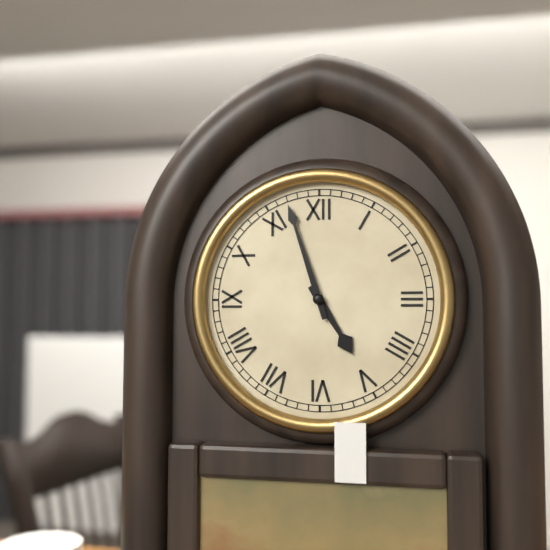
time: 4:57
